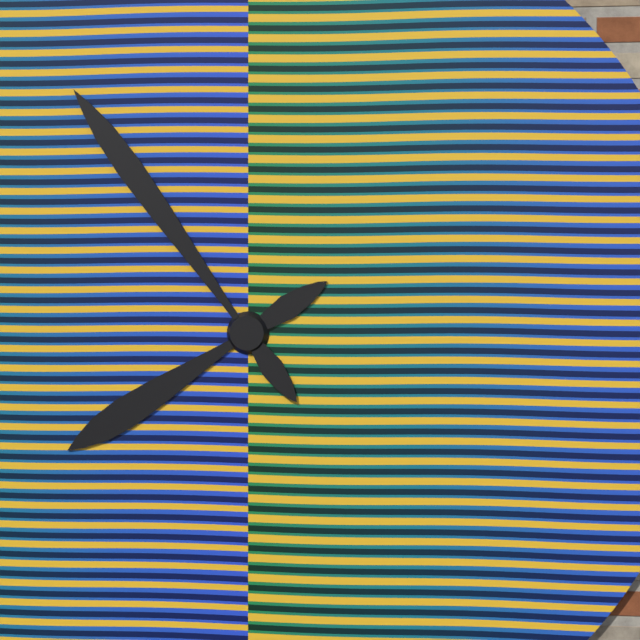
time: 7:54
